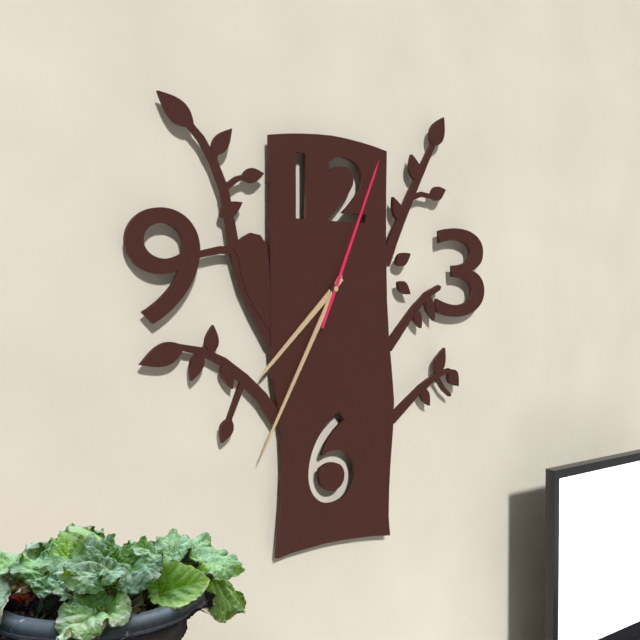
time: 7:35:04
